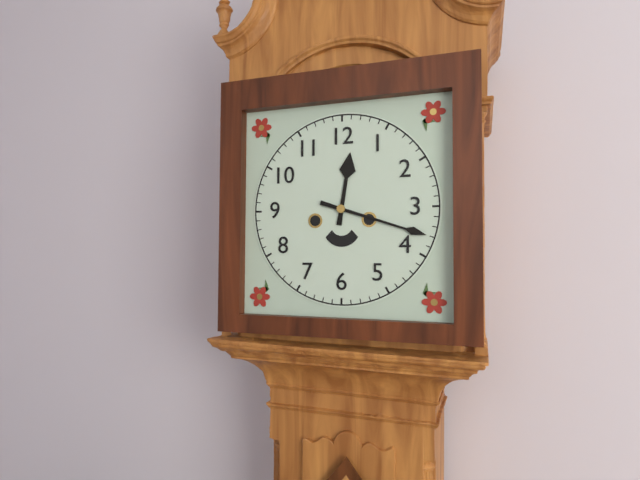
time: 12:18
